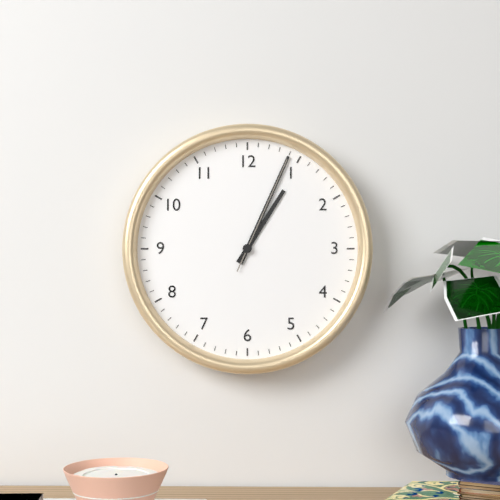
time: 1:04:04
